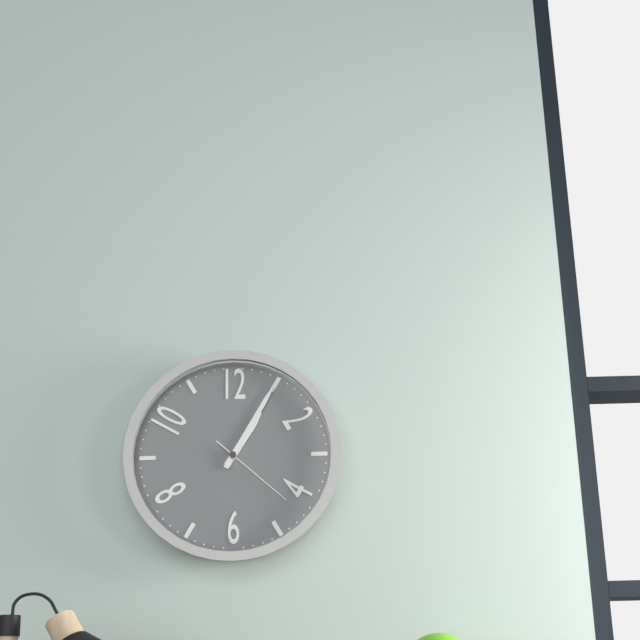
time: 1:05:22
